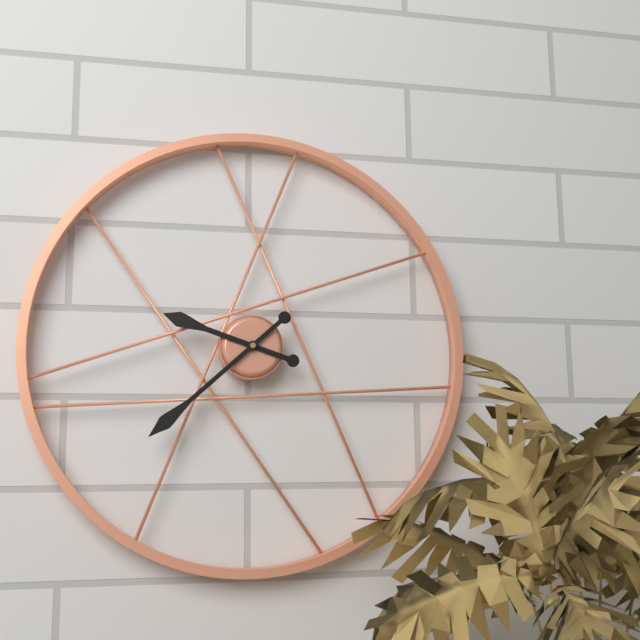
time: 9:38
